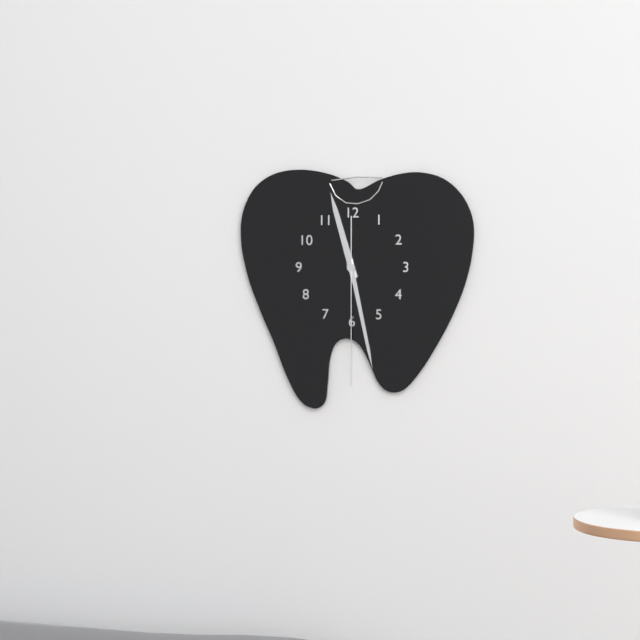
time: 11:28:30
